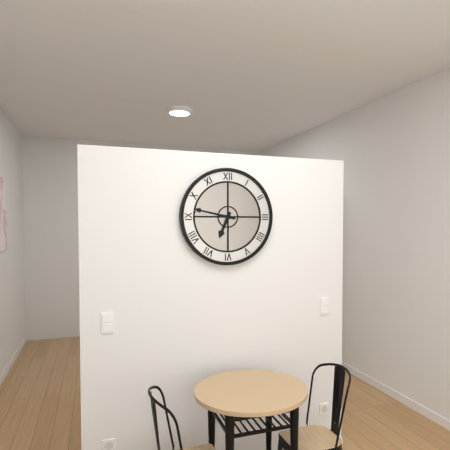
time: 6:47
